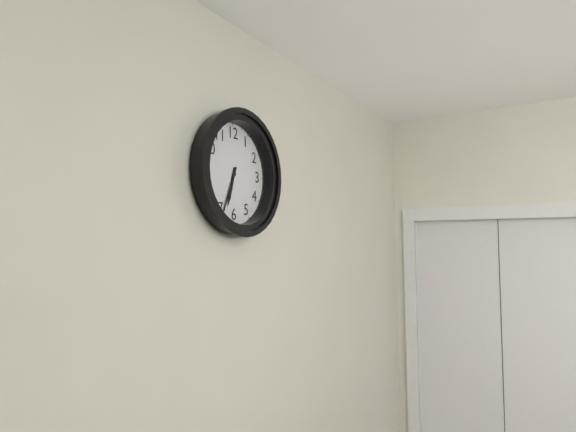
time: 6:34
